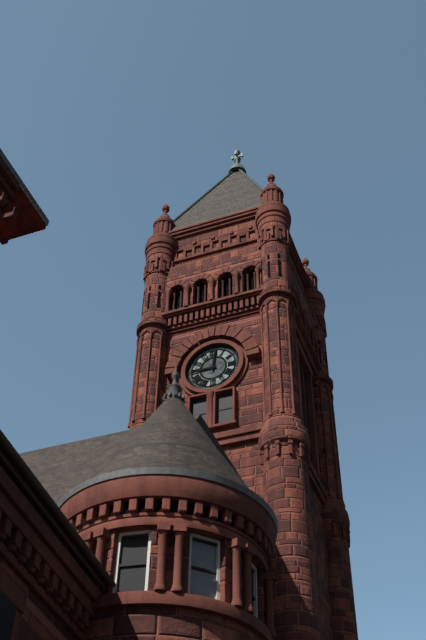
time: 9:01
